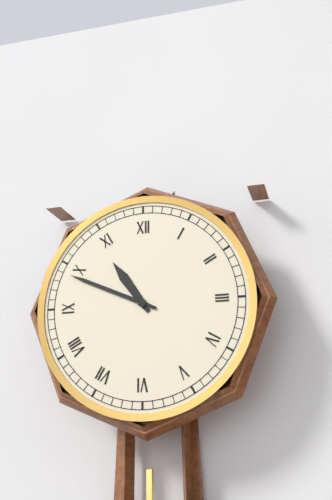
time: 10:49
